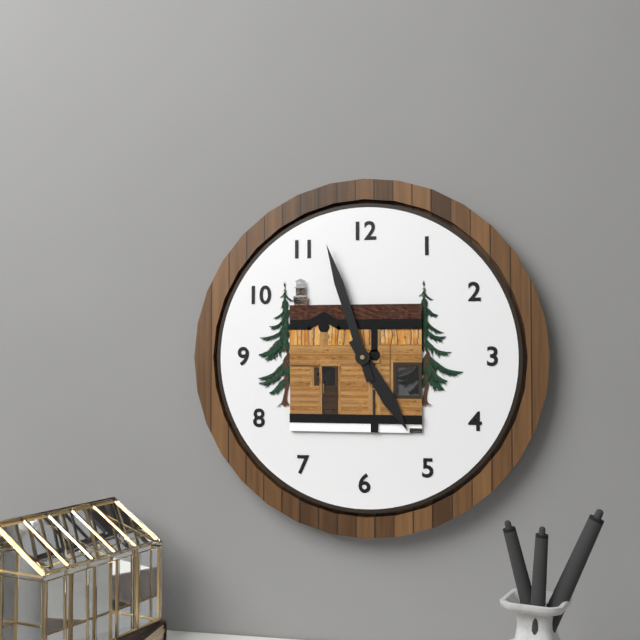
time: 4:57
